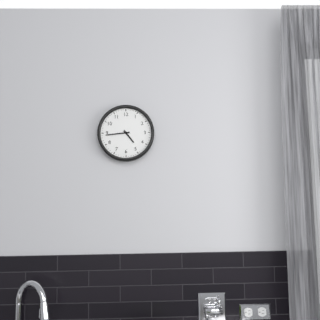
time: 4:44
